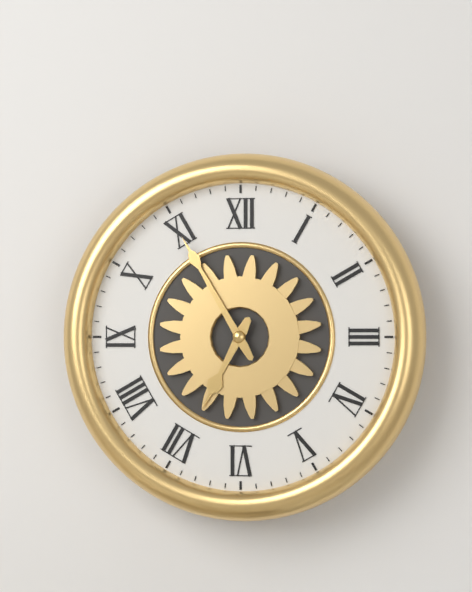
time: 6:55
